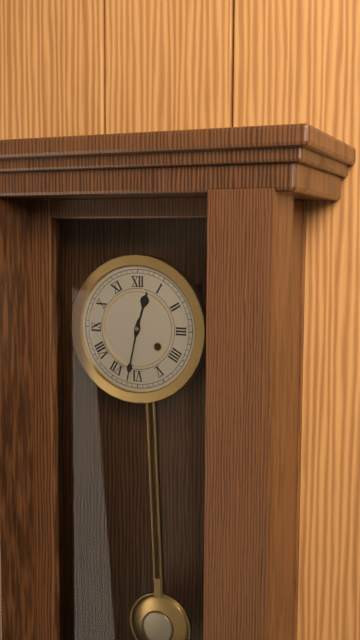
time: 12:32
